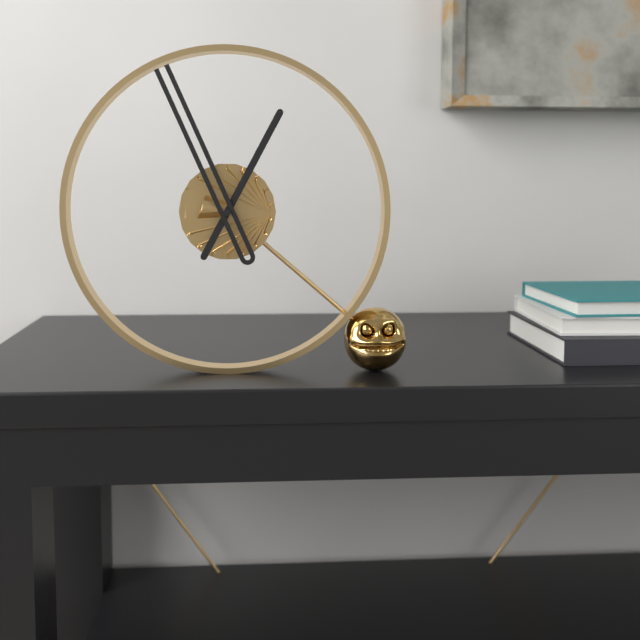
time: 12:56
